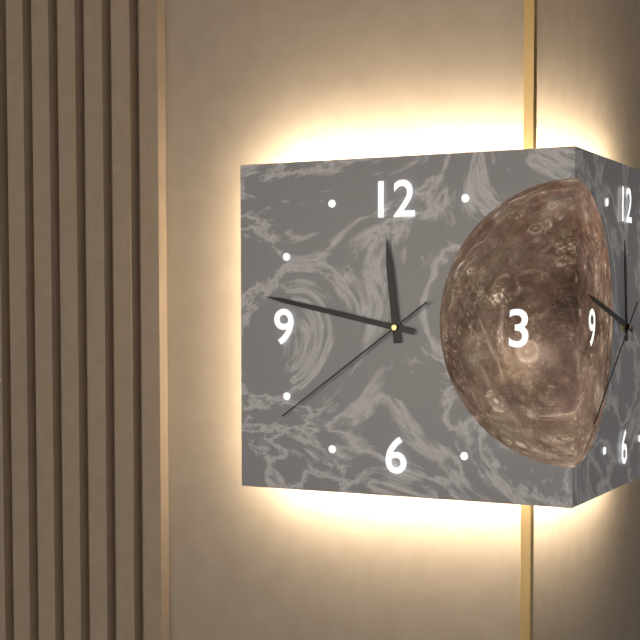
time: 11:47:39
